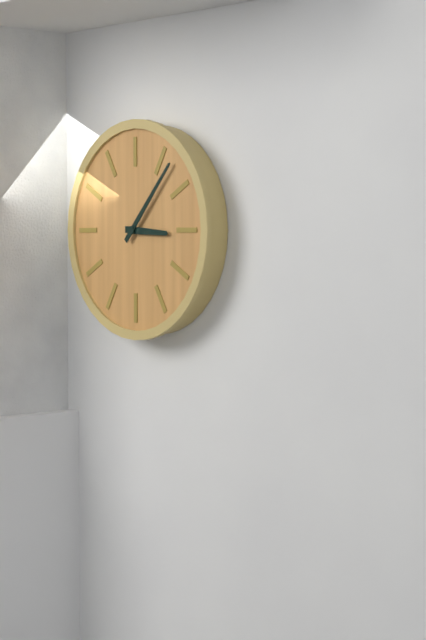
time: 3:07
